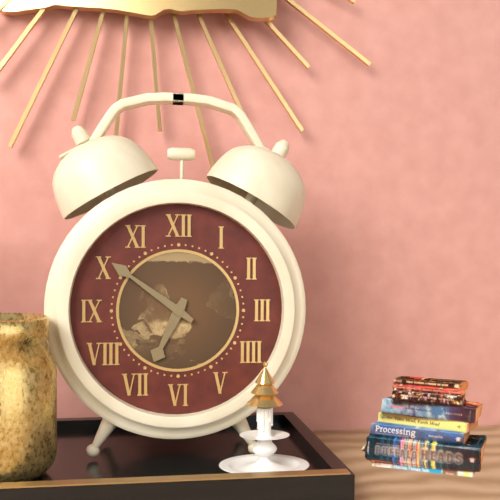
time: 6:51
